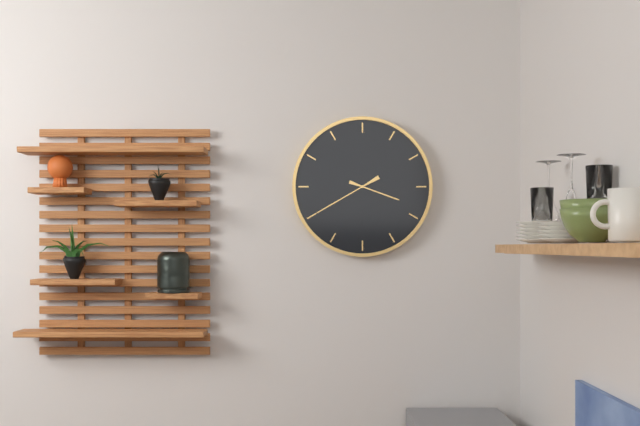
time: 3:40
